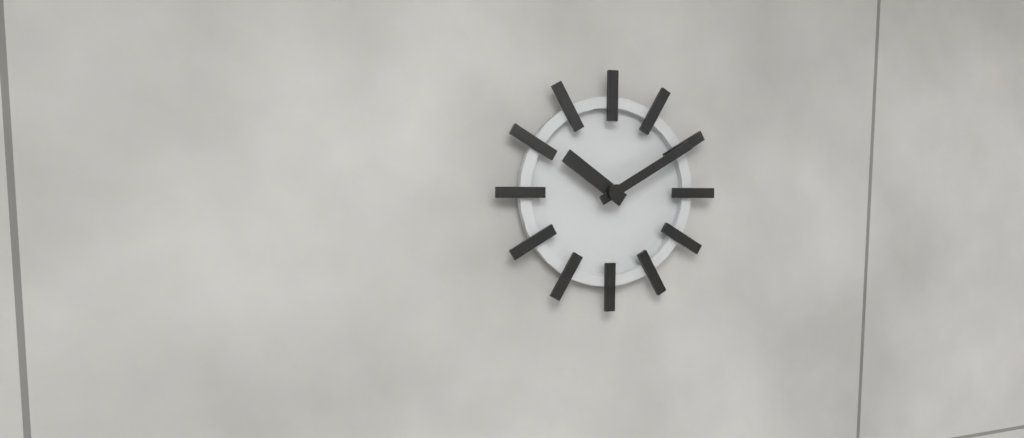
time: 10:10
